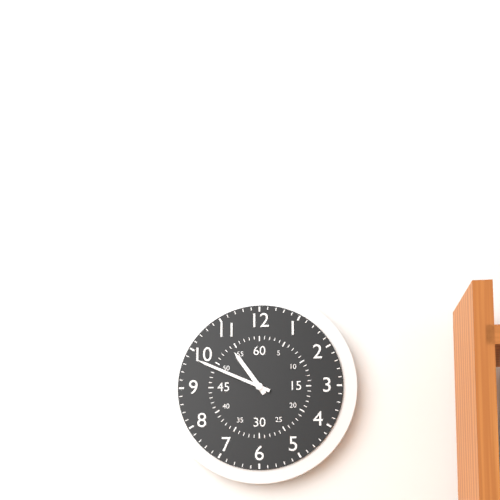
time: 10:49
